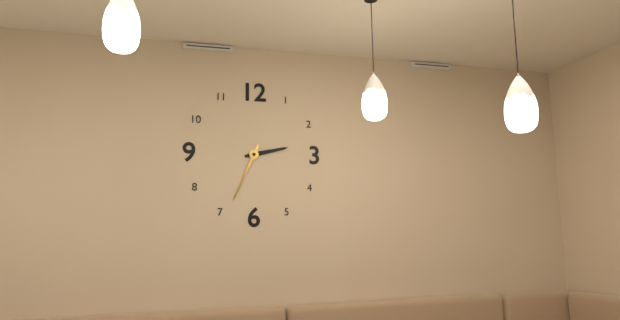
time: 2:34
